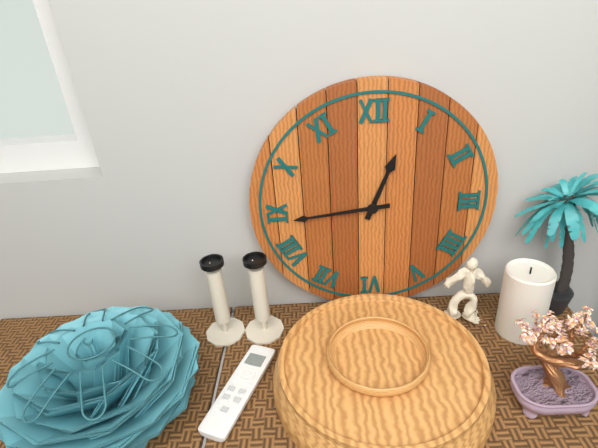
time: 12:44
